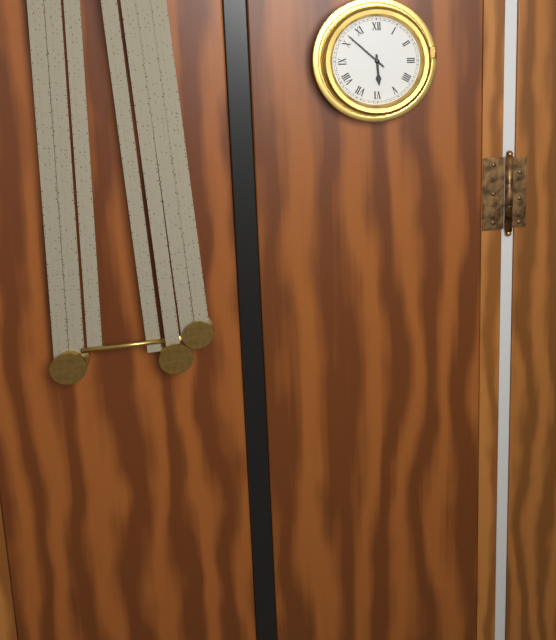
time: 5:52
